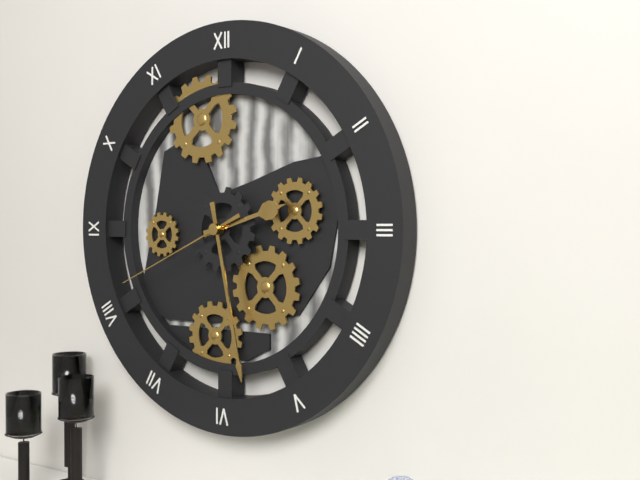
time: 2:28:41
